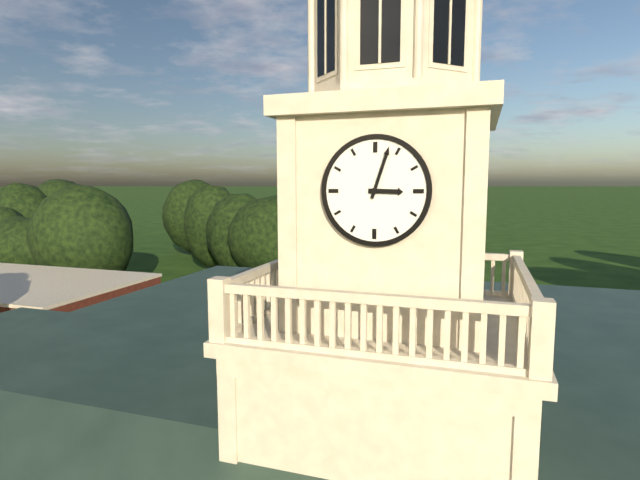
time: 3:03
